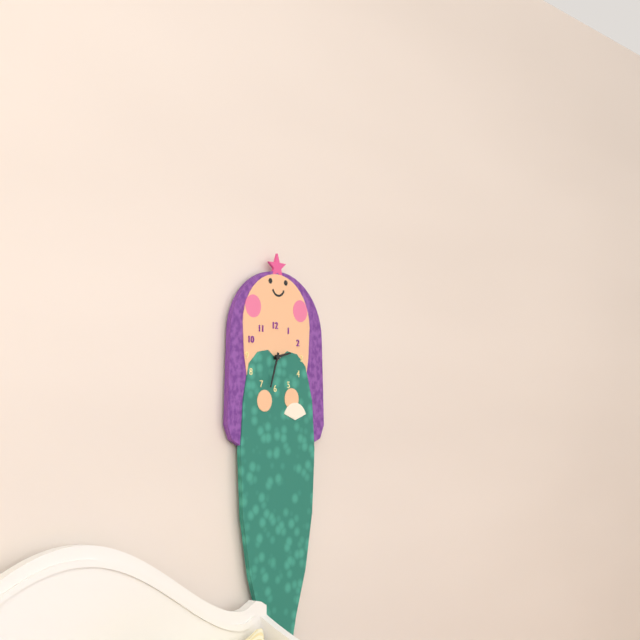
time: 2:33
